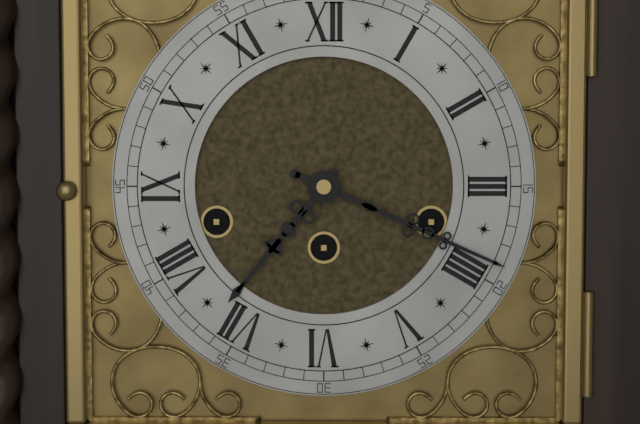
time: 7:19
